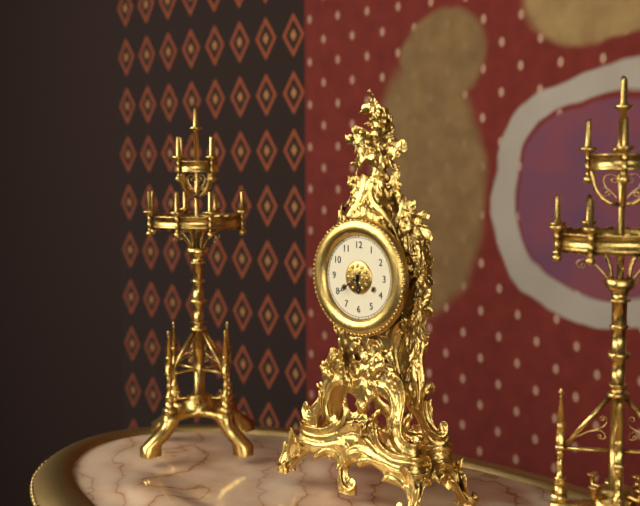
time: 5:39
